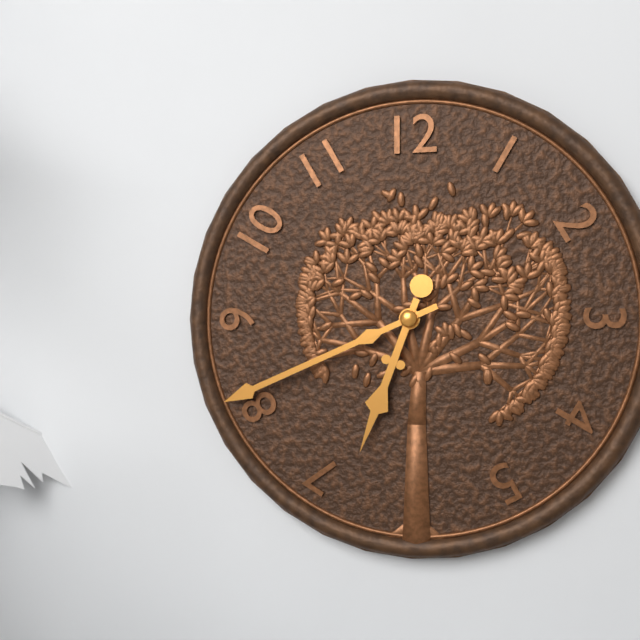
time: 6:41
